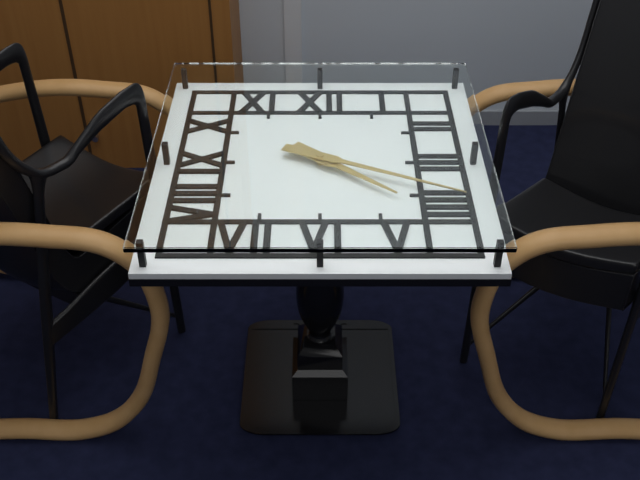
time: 4:19
